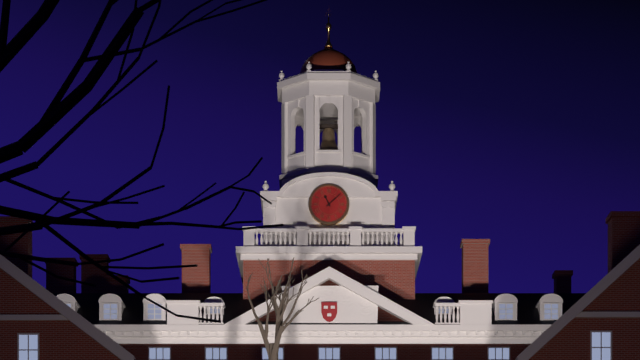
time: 11:08
